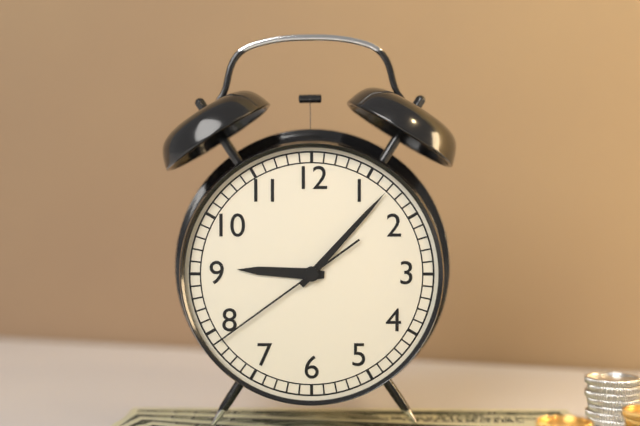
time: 9:07:39
